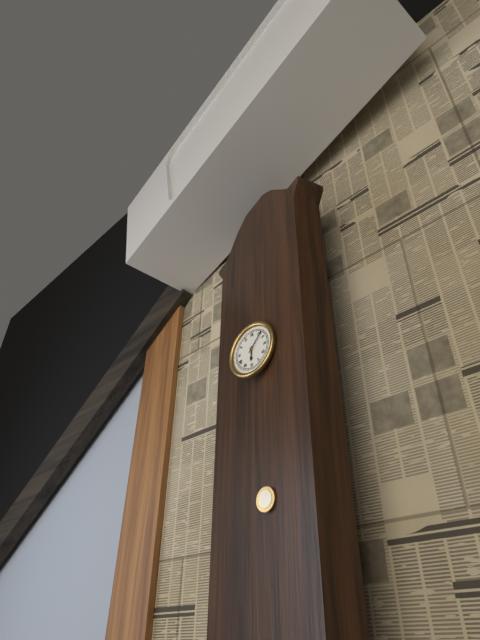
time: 6:07
